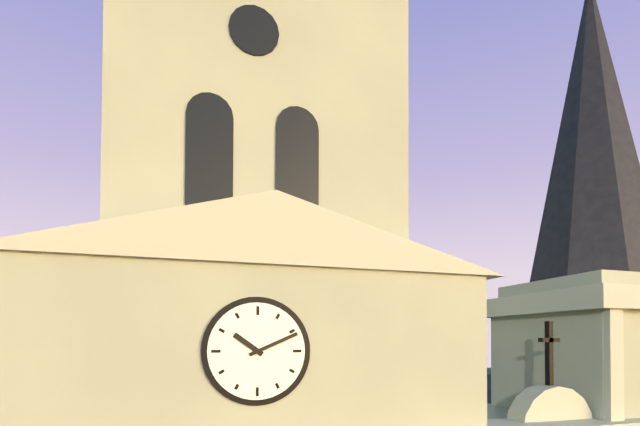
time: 10:11
